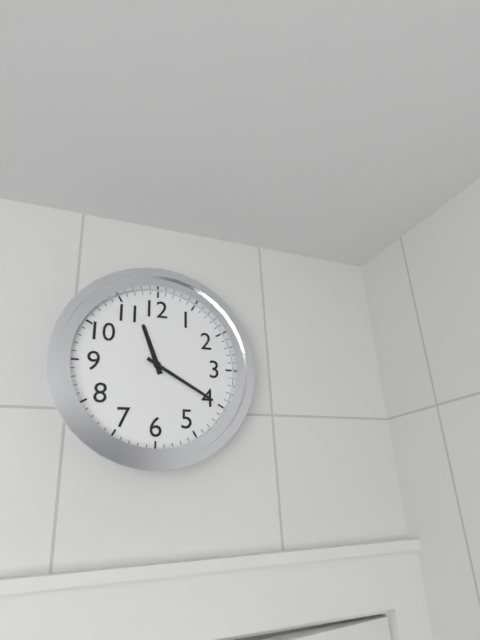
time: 11:20
